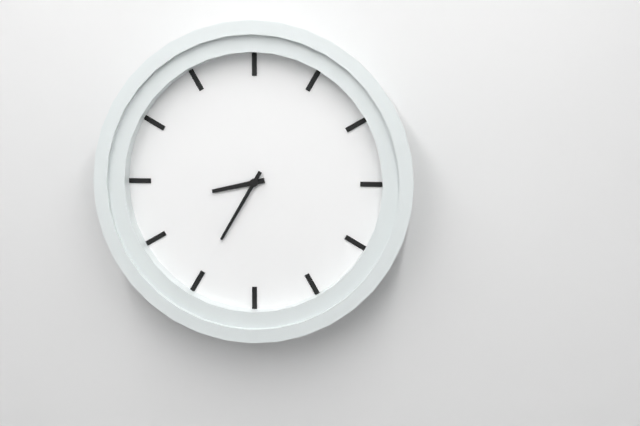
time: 8:35
